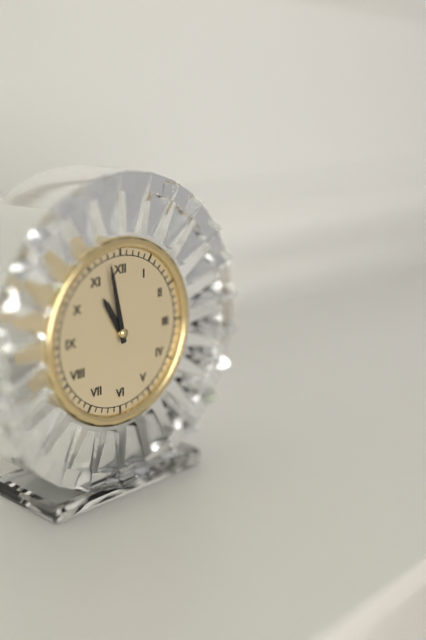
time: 10:58
